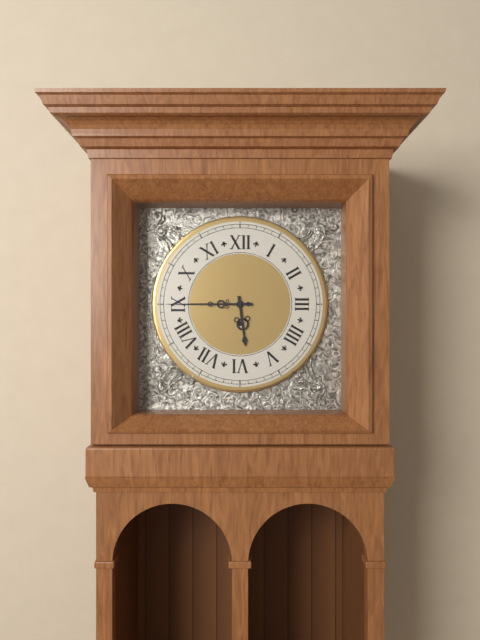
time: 5:45
